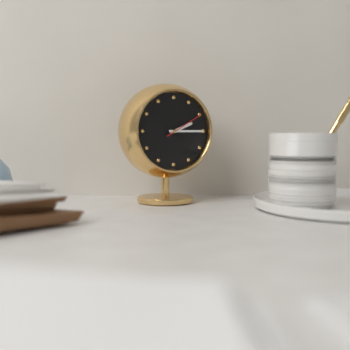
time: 2:15
